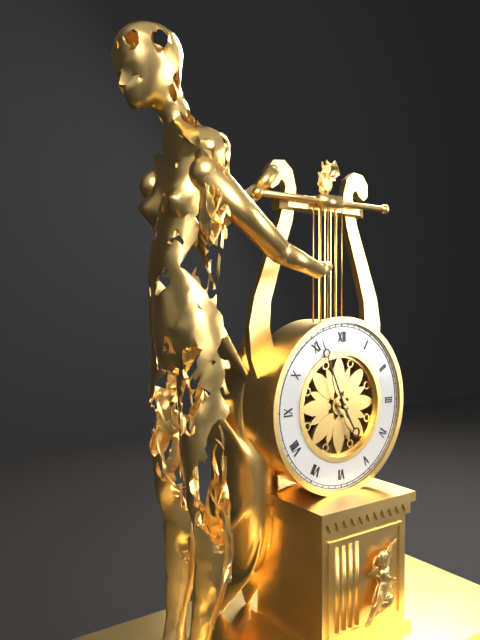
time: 4:56
